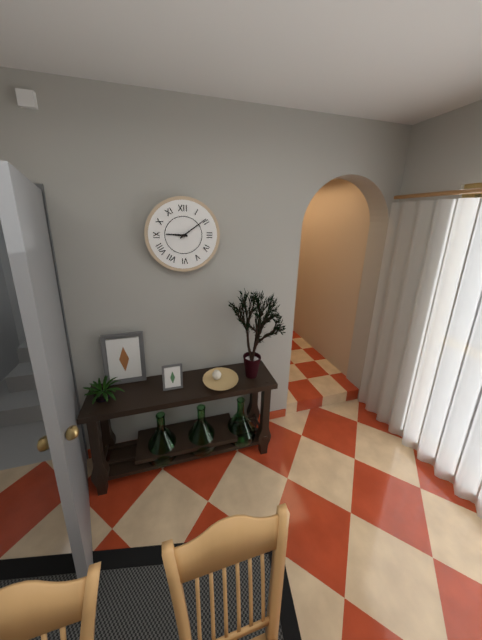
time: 9:09
